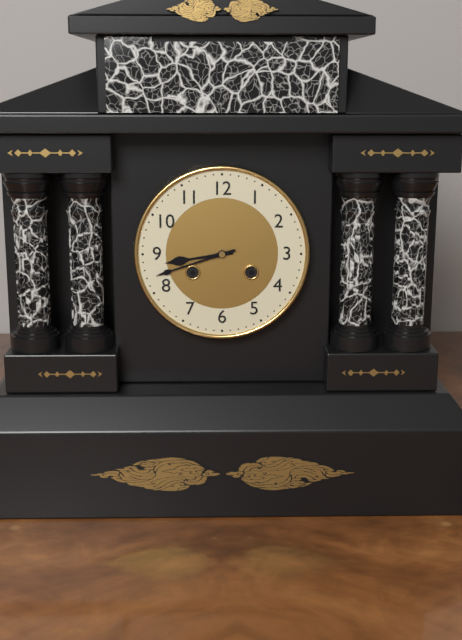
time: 8:42
